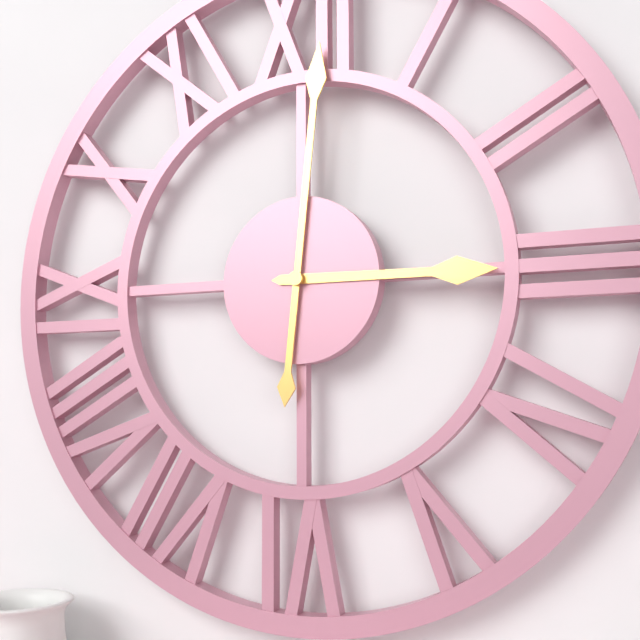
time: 3:01
